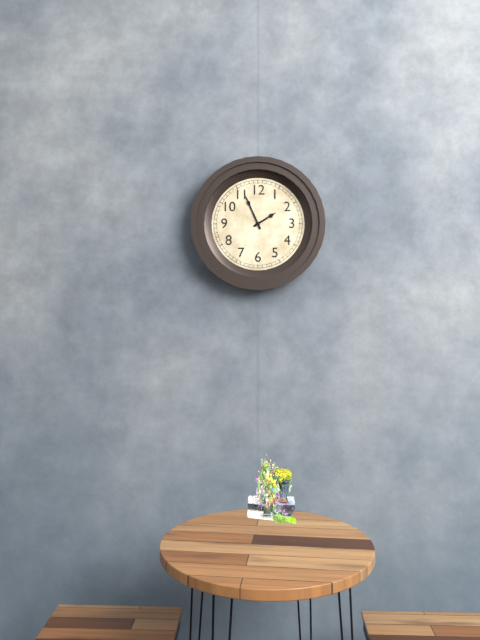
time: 1:56
